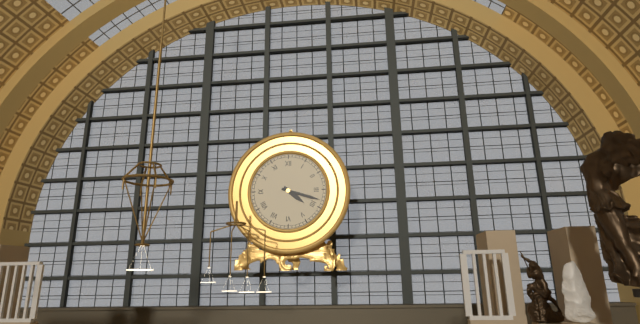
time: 4:18
